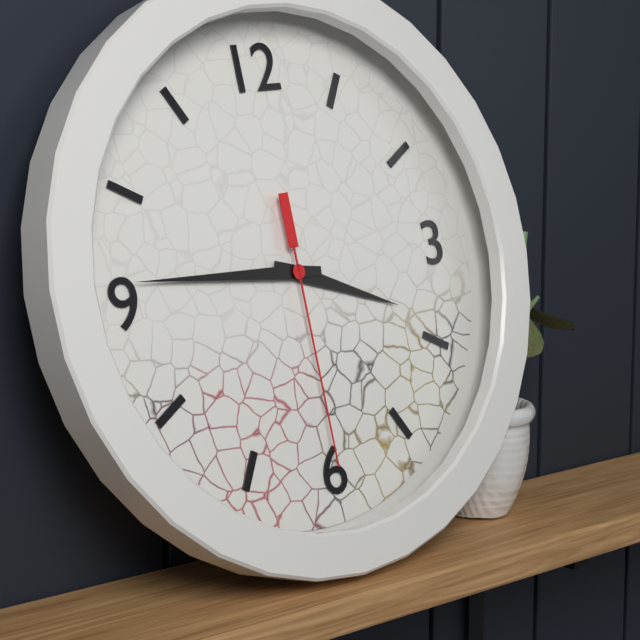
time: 3:46:30
